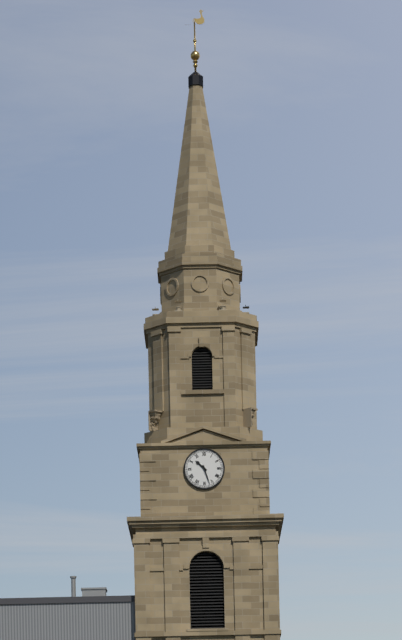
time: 10:27
